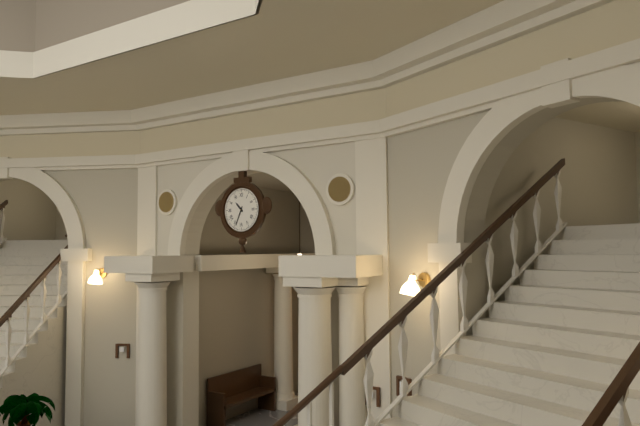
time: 10:34
